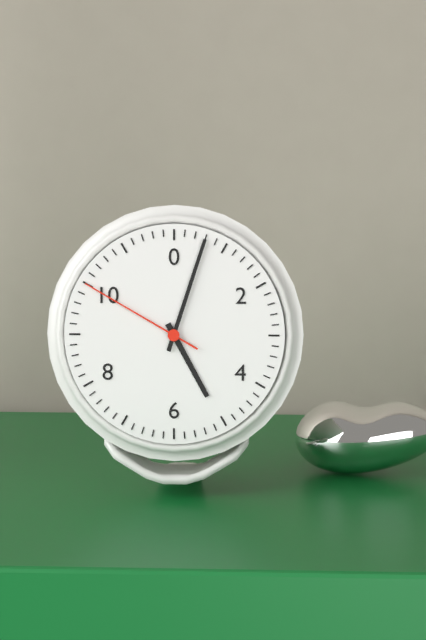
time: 5:03:50
